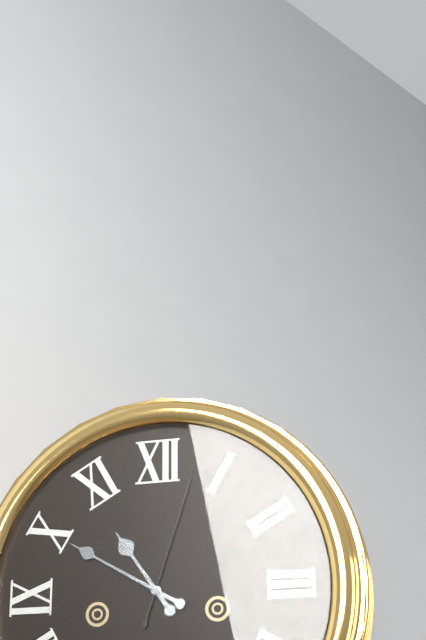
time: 10:50:03
